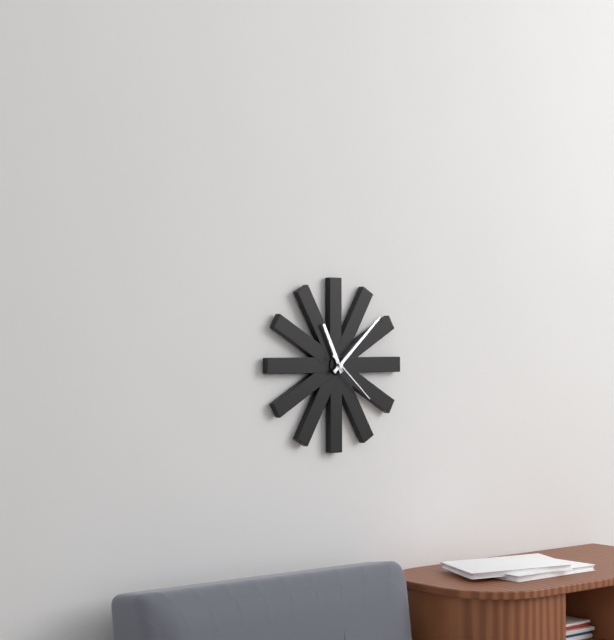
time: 11:08:22
